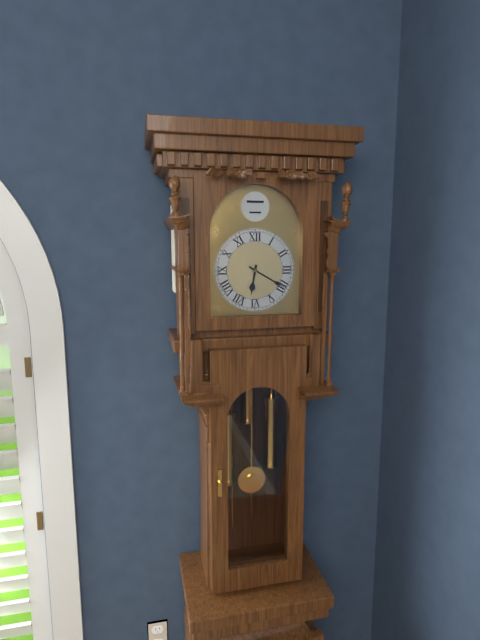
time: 6:20
